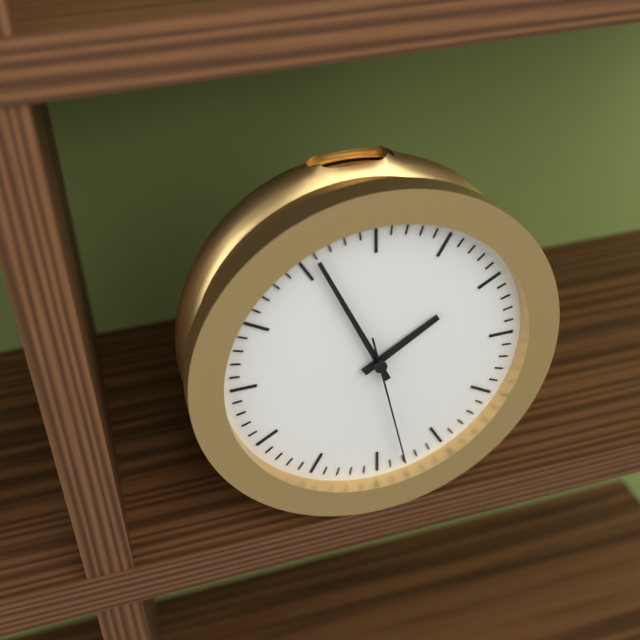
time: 1:56:28
